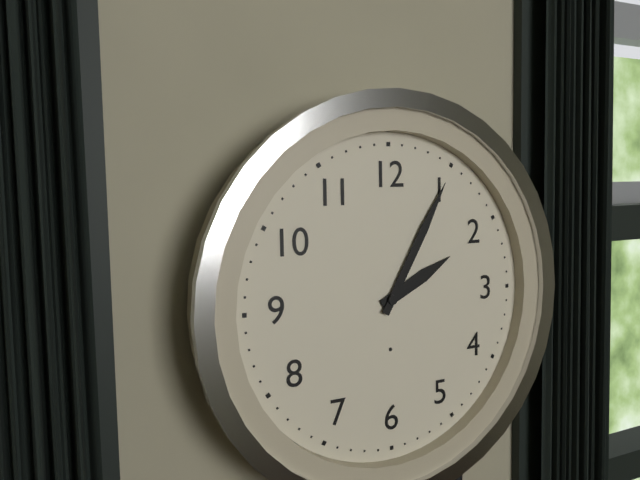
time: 2:05
